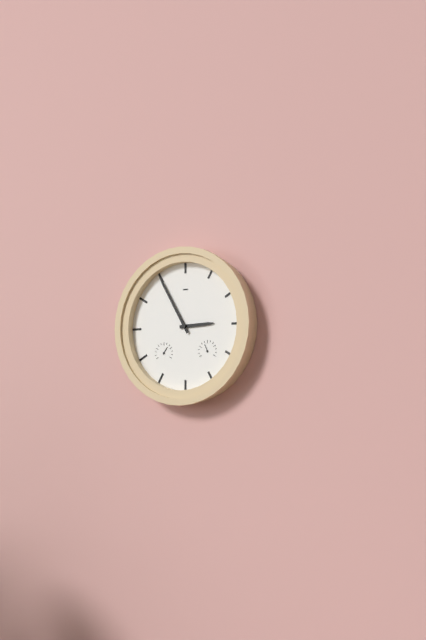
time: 2:55
